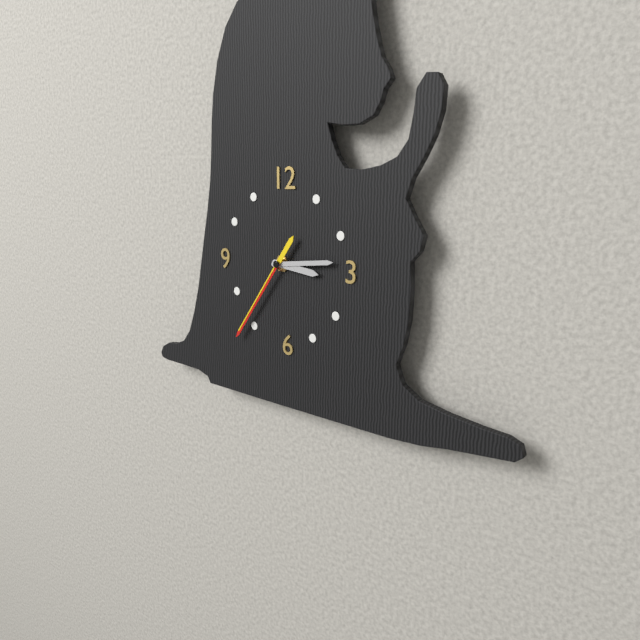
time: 3:14:36
